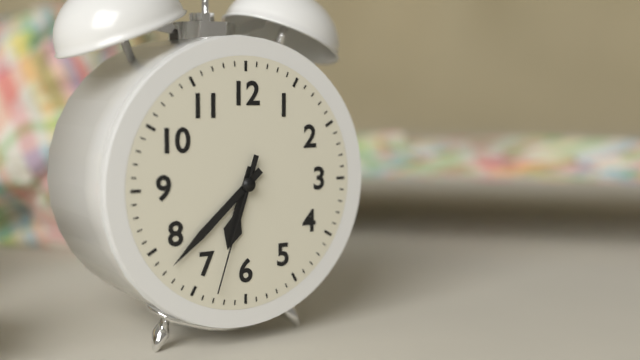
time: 6:38:33
